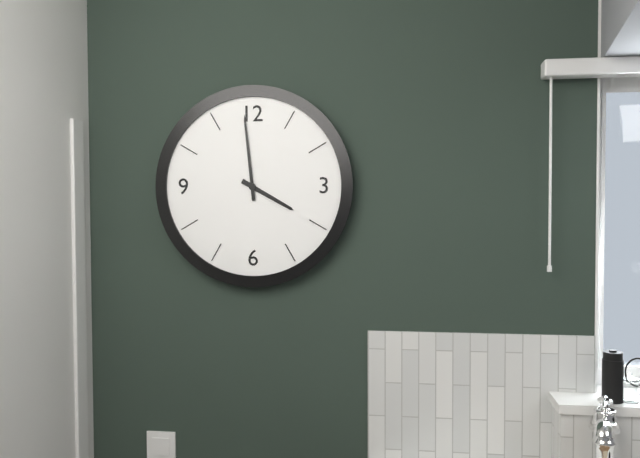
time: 3:59
